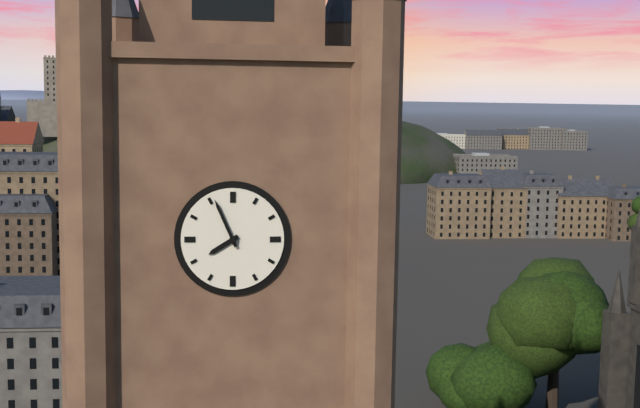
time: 7:56
